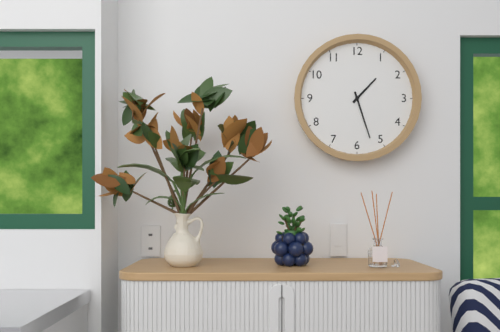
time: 1:27
